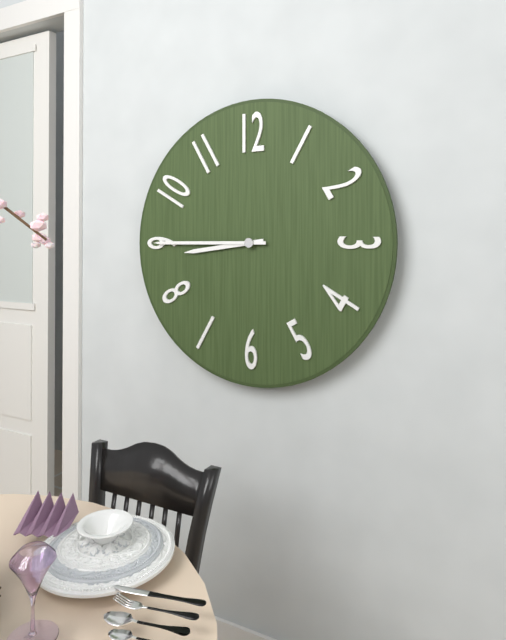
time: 8:45
